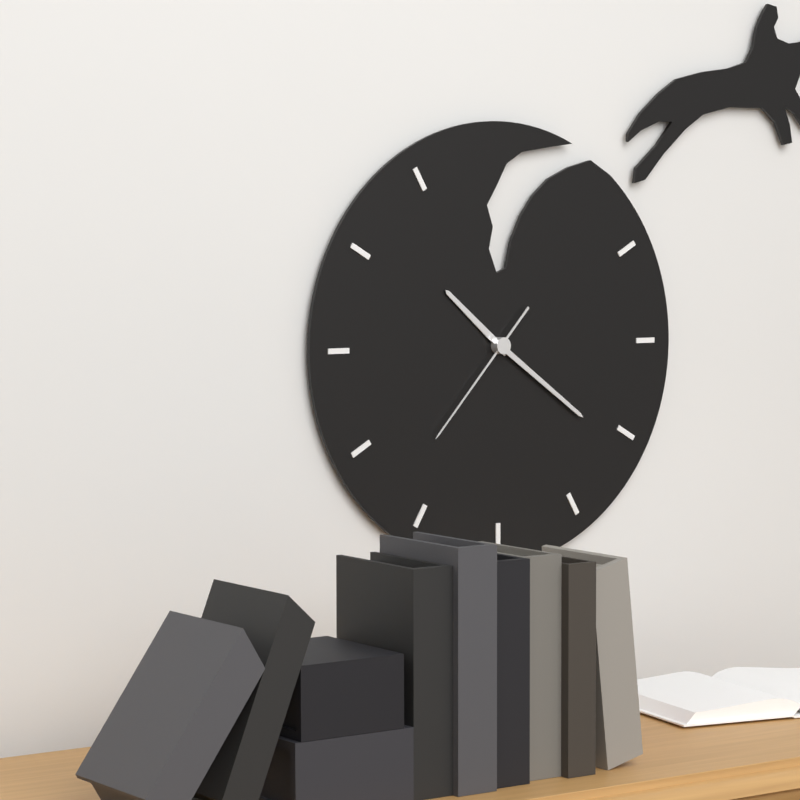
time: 10:21:37
